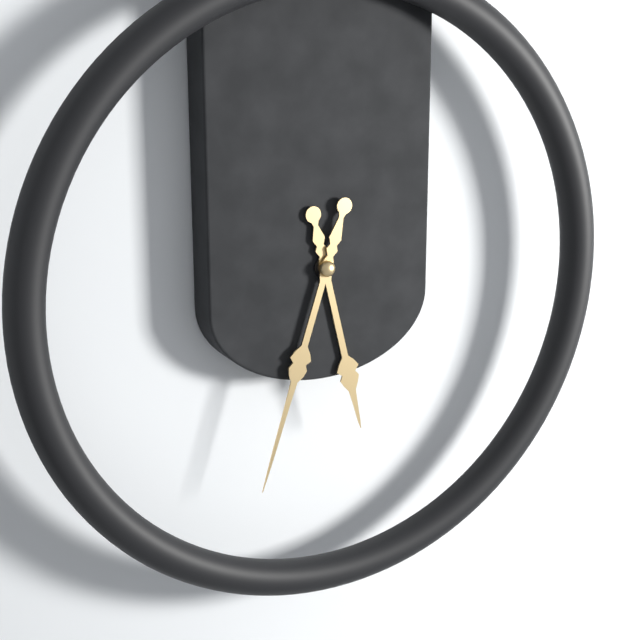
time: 5:33
